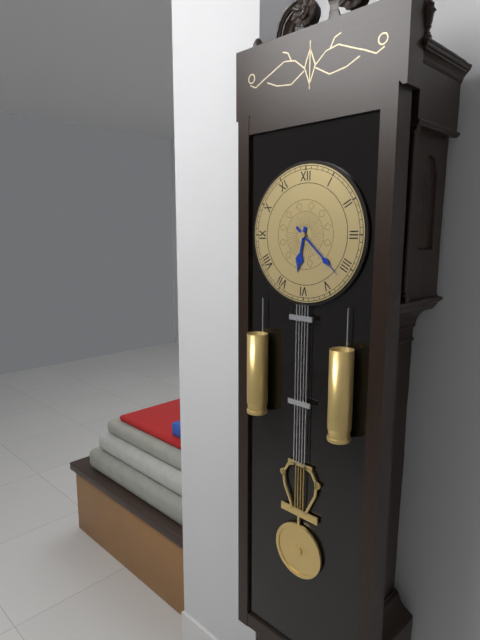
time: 6:22
